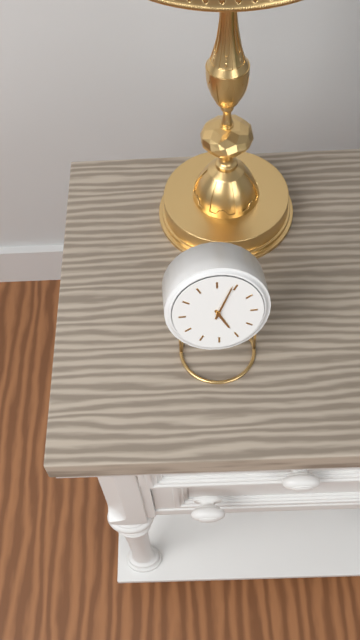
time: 5:04
